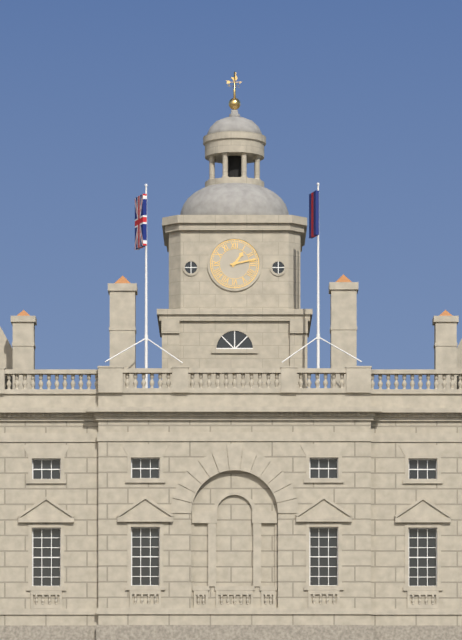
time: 1:13
